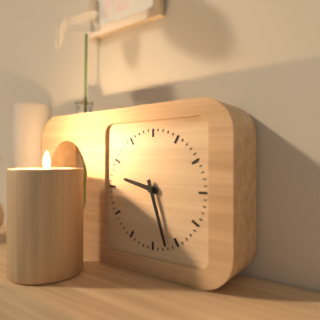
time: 9:27
